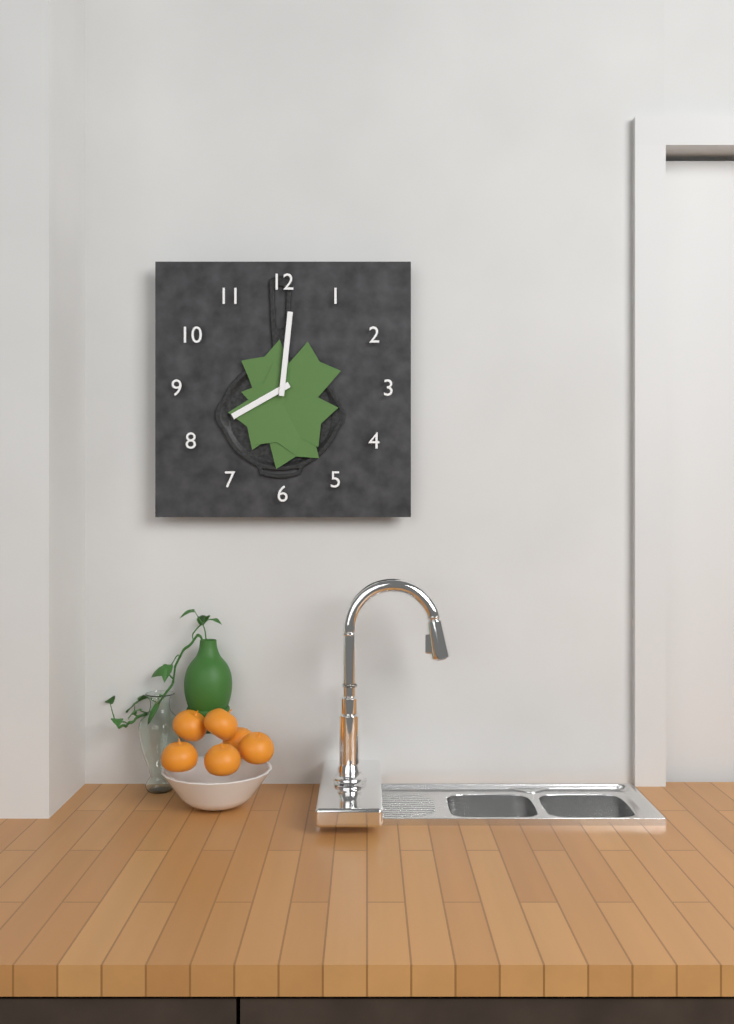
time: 8:01
